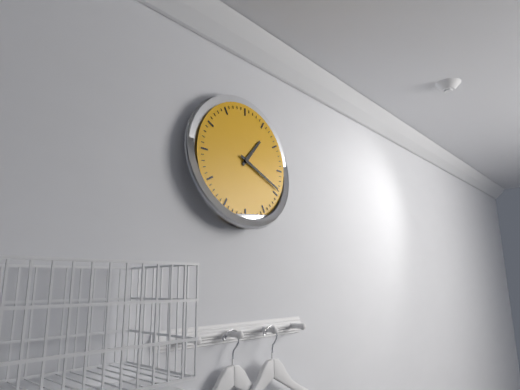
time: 1:19
